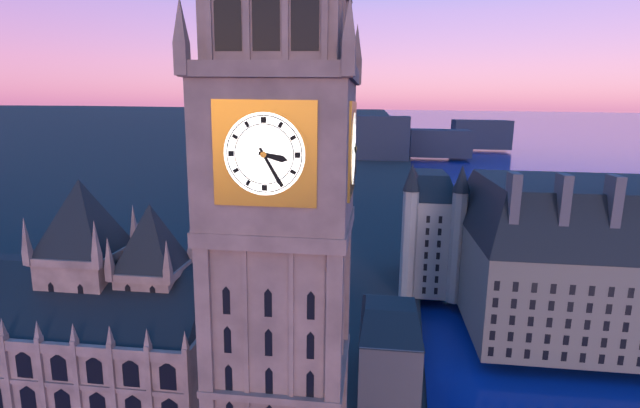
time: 3:25
